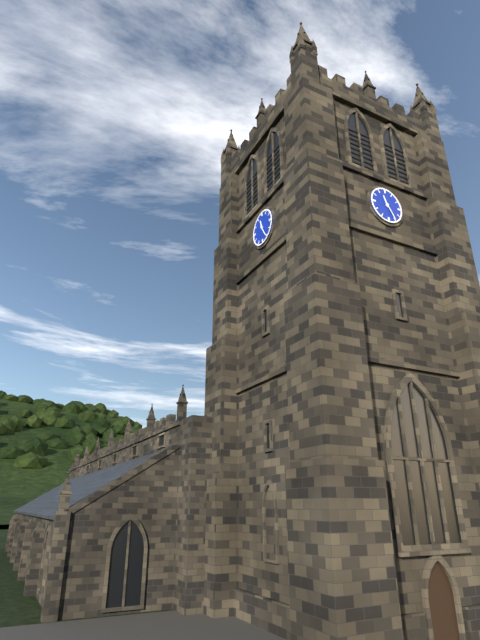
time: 11:25
